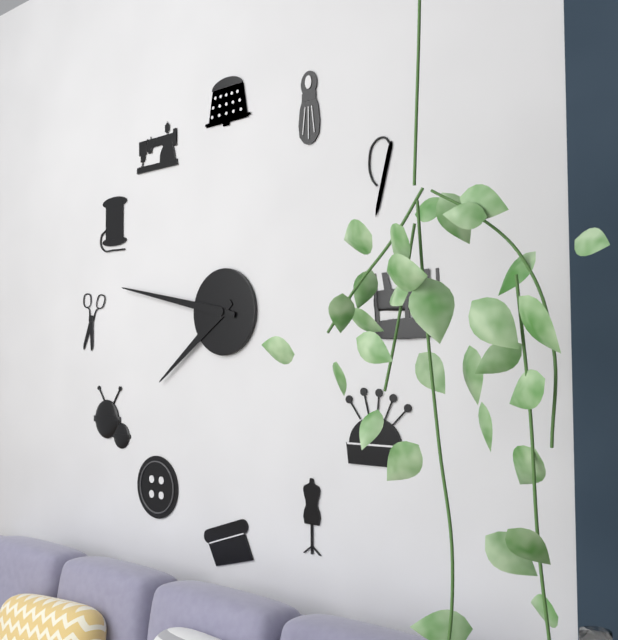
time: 7:47
